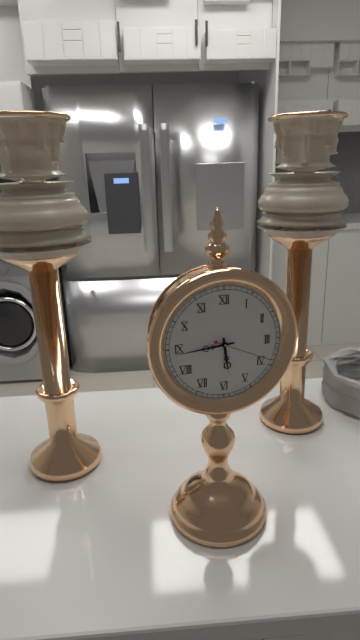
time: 5:44:19
